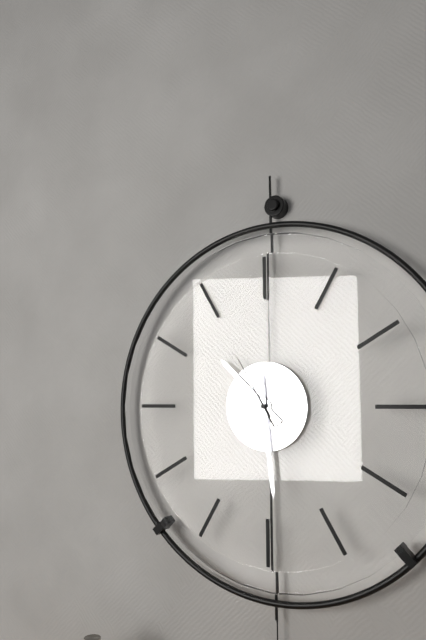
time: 10:29:55
